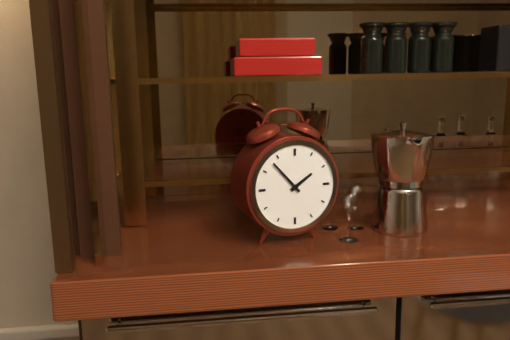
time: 1:53
